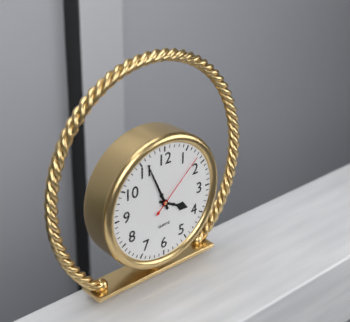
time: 3:56:08
